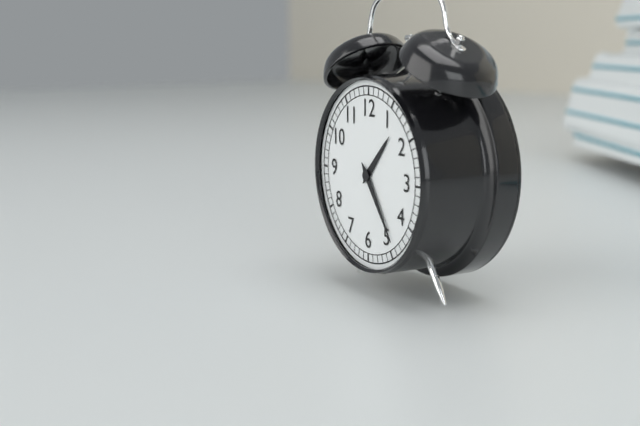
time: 1:24
